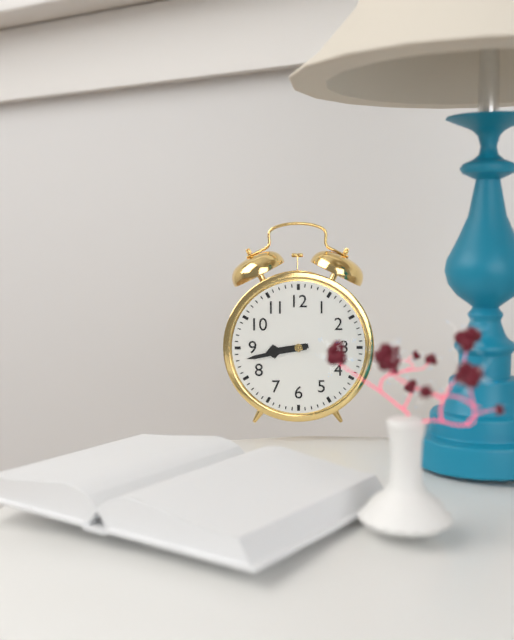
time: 8:43
